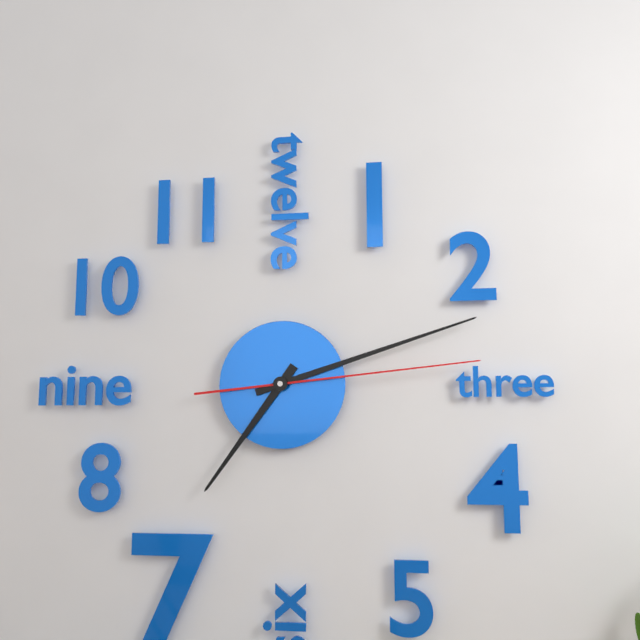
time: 7:12:14
